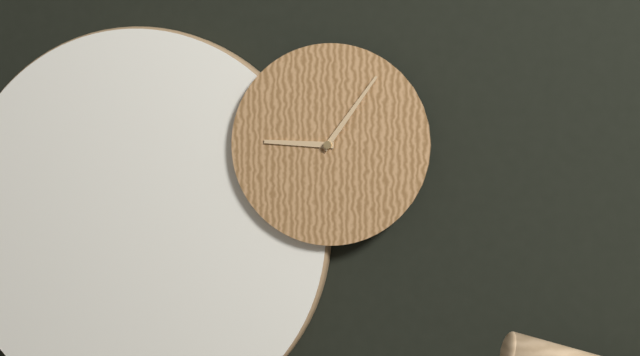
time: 9:06
